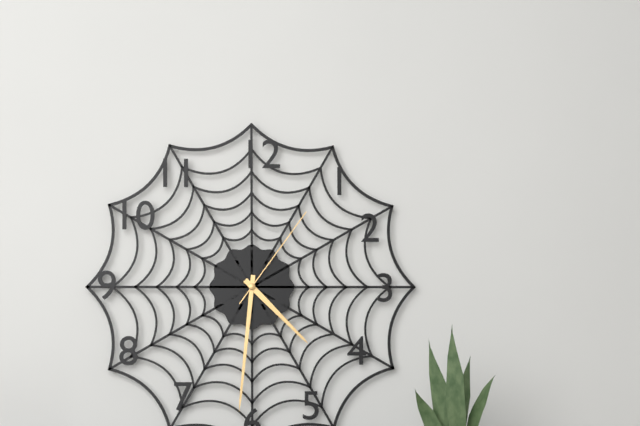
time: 4:31:06
